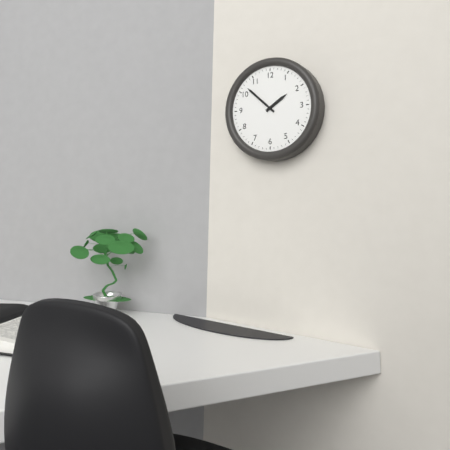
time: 1:52
